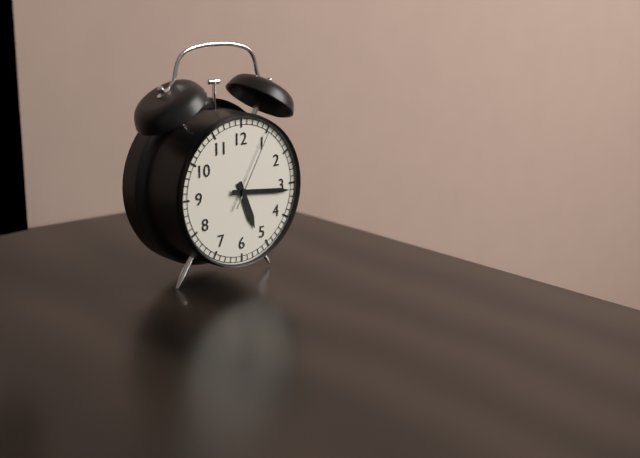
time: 5:16:05
